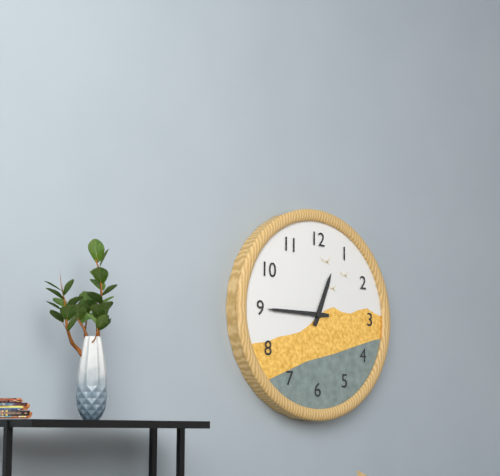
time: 12:45
